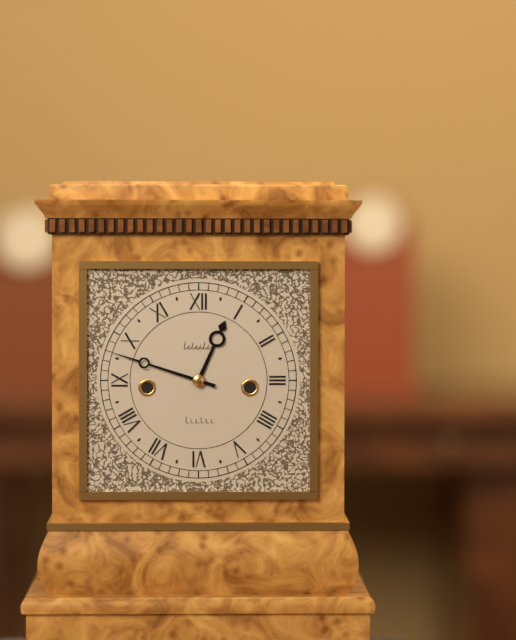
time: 12:48
